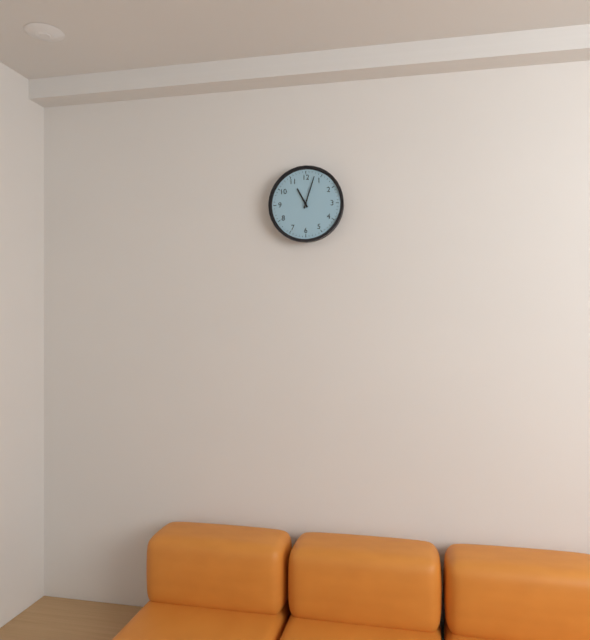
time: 11:03
